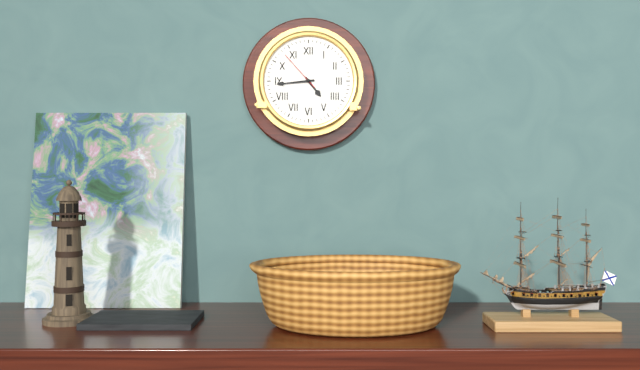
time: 4:44
